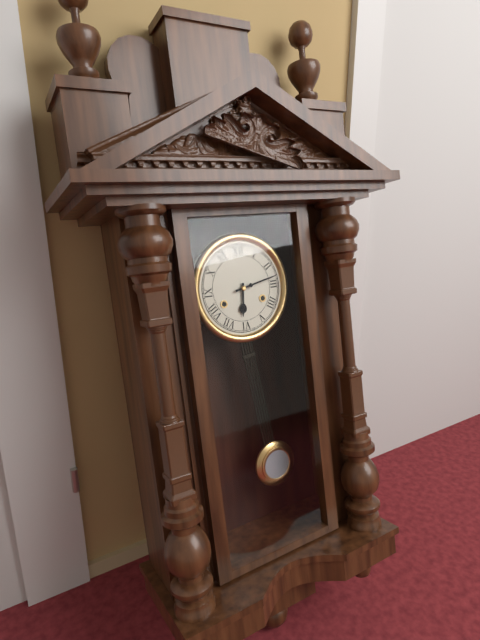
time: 6:13
